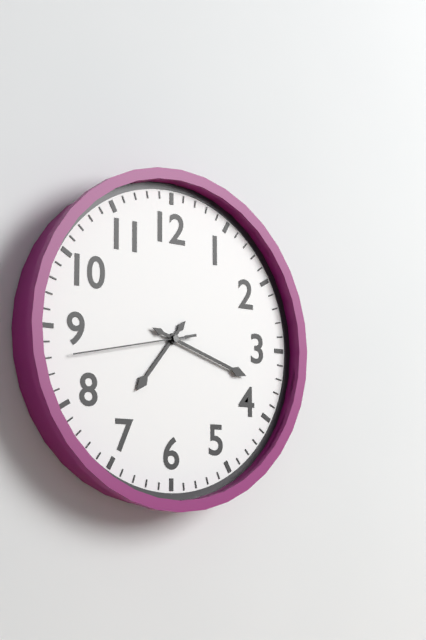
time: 7:18:43
